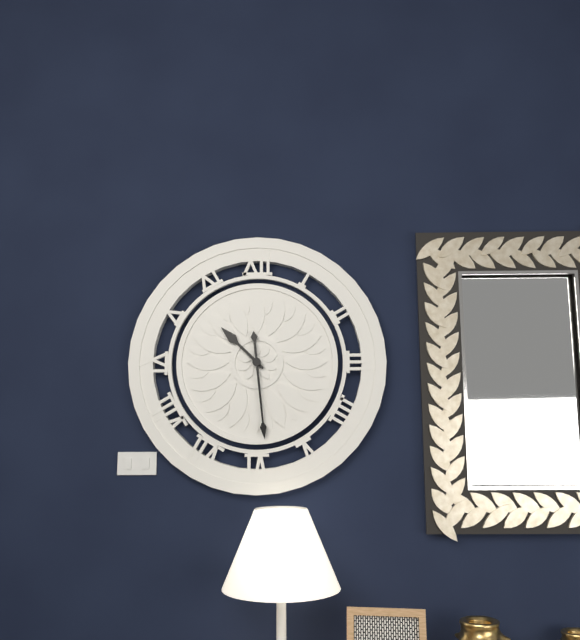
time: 10:29
